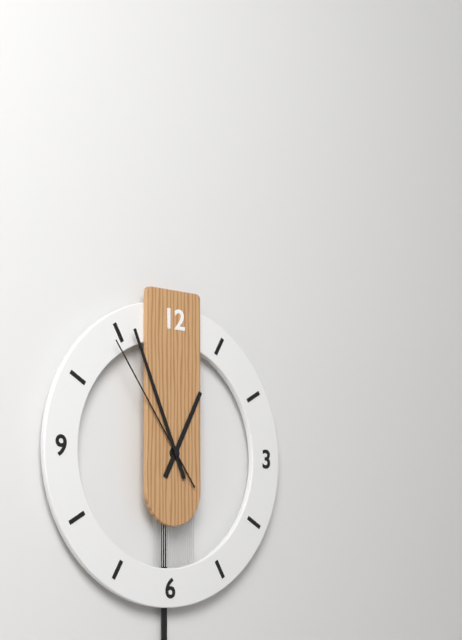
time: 12:56:54
